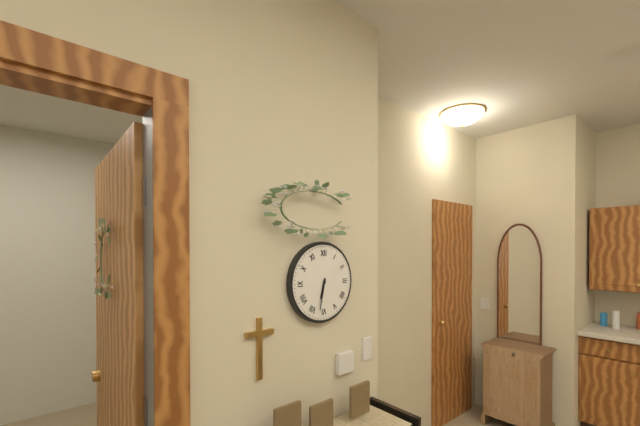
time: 6:32
